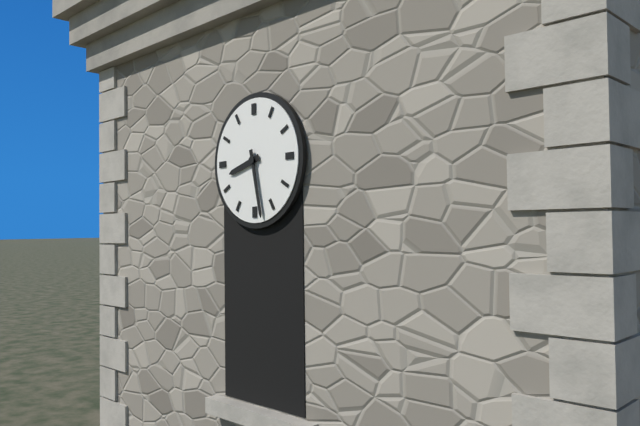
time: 8:28
